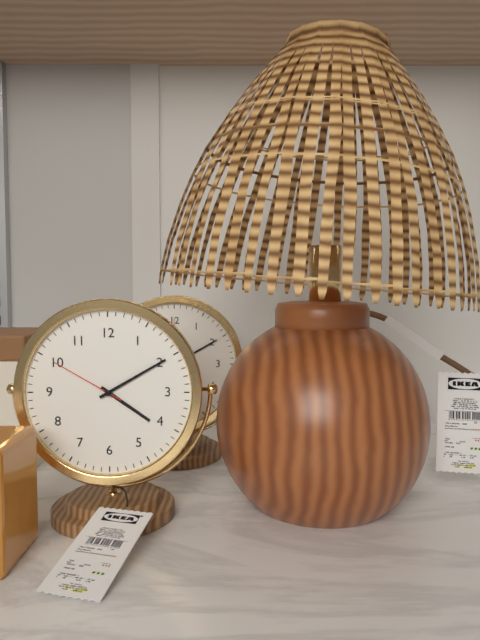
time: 4:10:50
